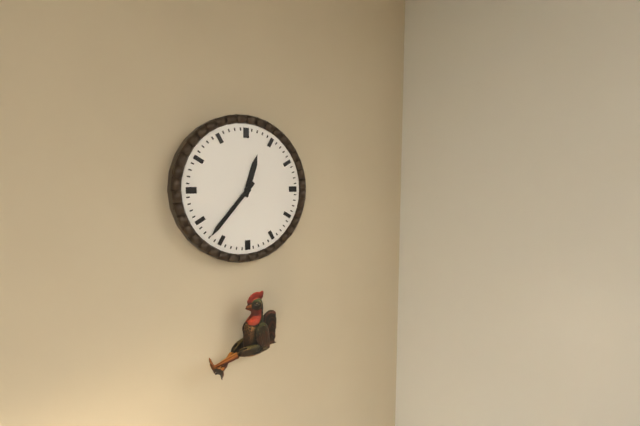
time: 12:37
